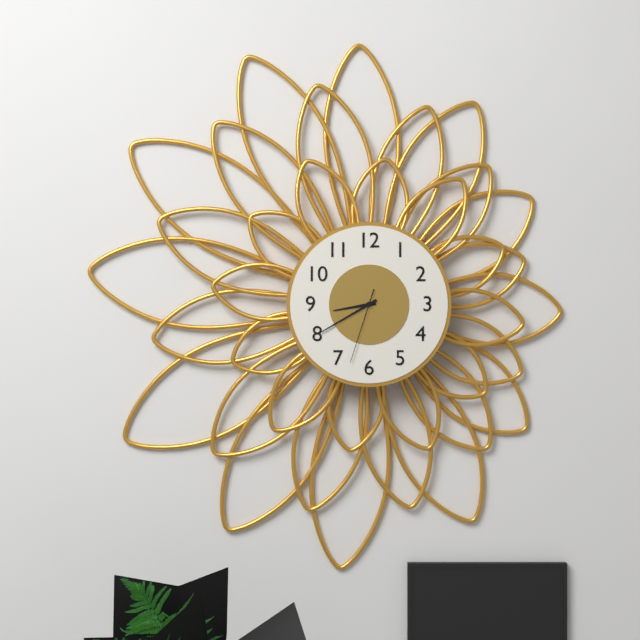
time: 8:40:33
